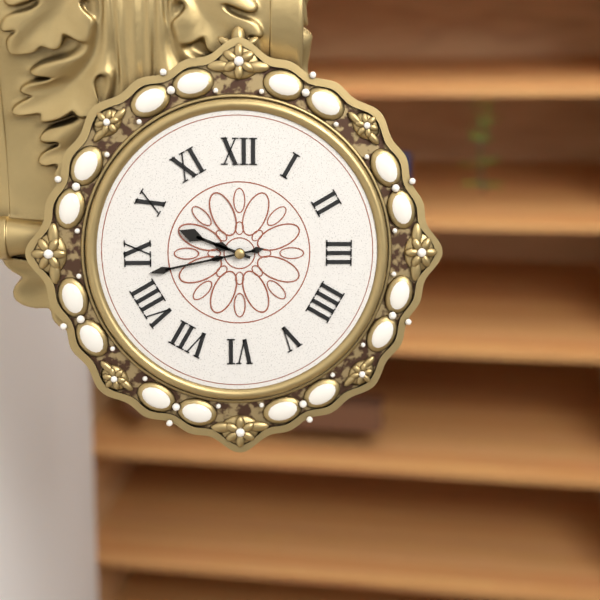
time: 9:43
